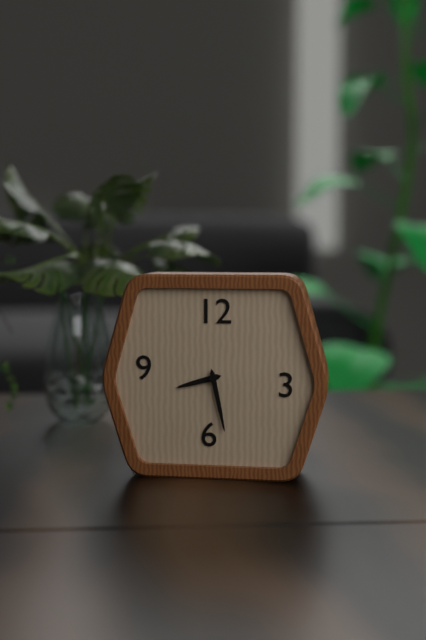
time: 8:28
